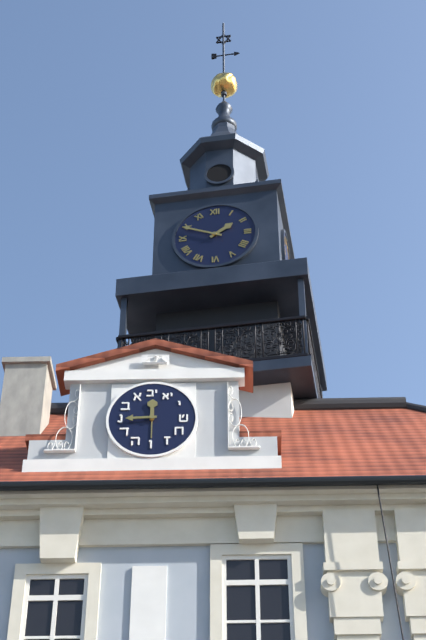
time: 1:49
